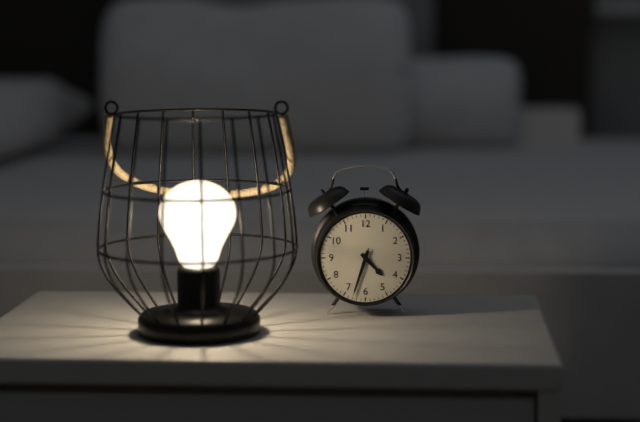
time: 4:33
